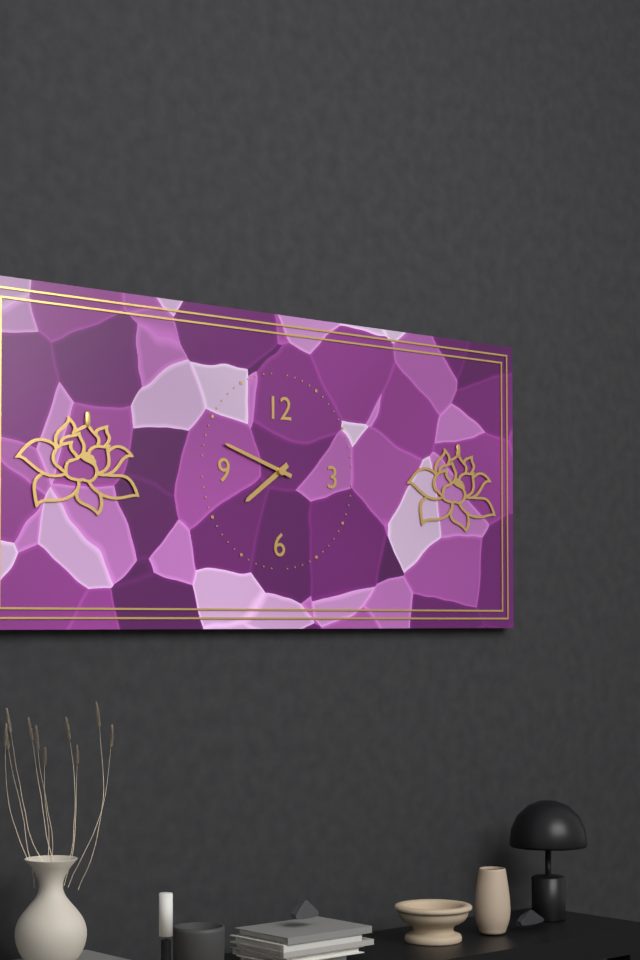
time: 7:48
